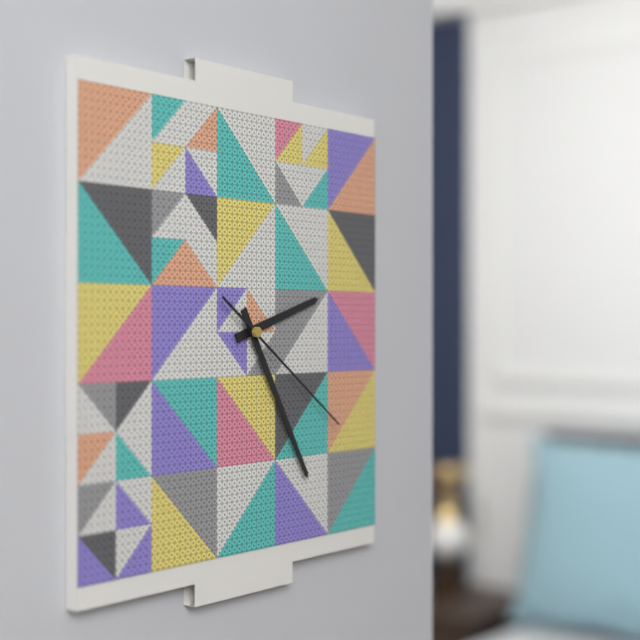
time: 2:25:21
